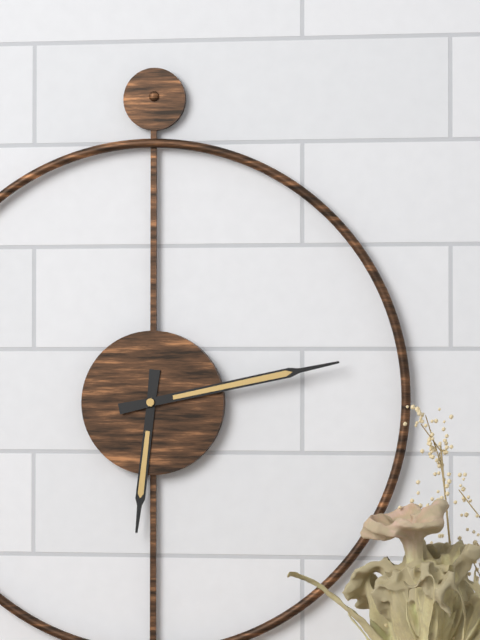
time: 6:13
